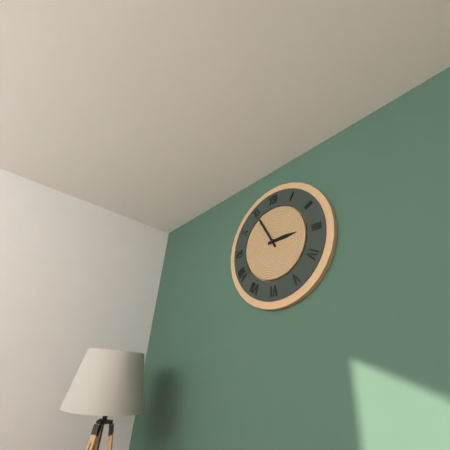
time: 2:55
